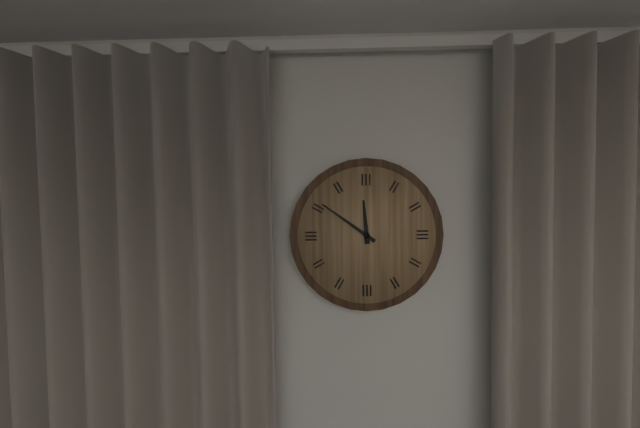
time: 11:51
